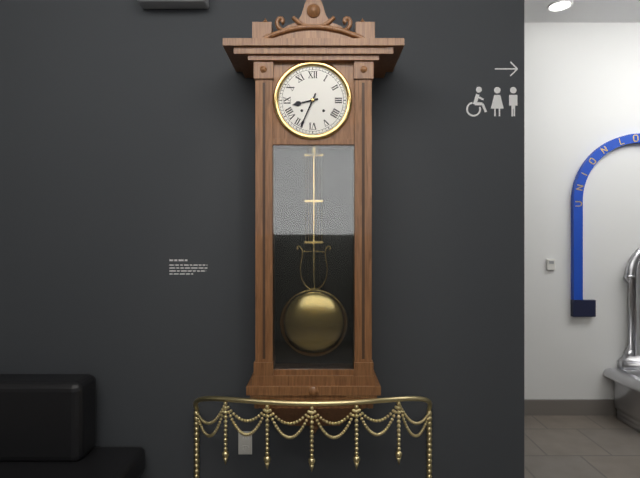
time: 8:34
